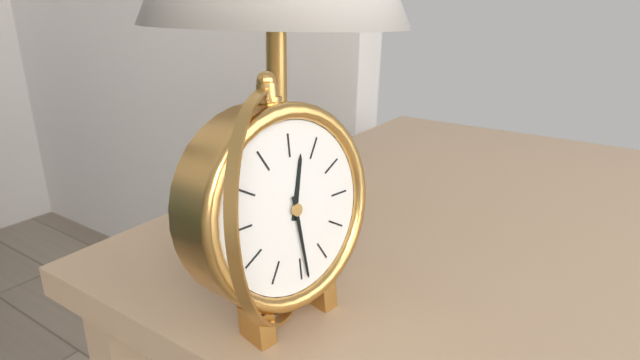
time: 12:29
